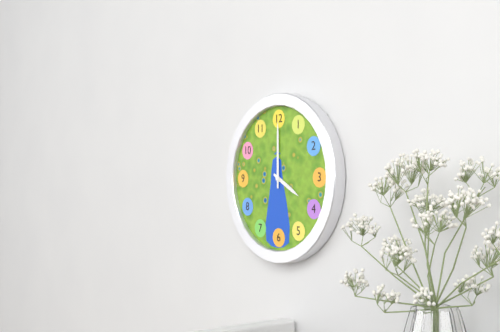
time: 4:00
